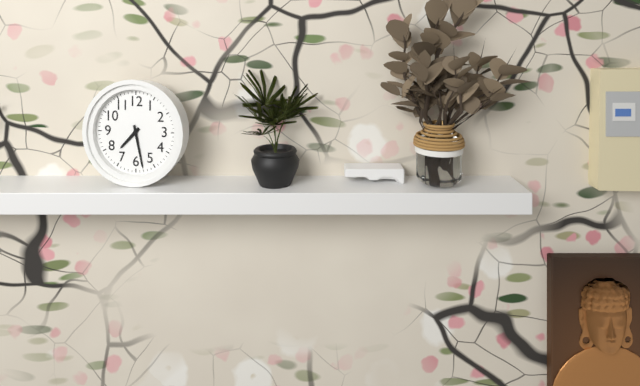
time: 7:28
